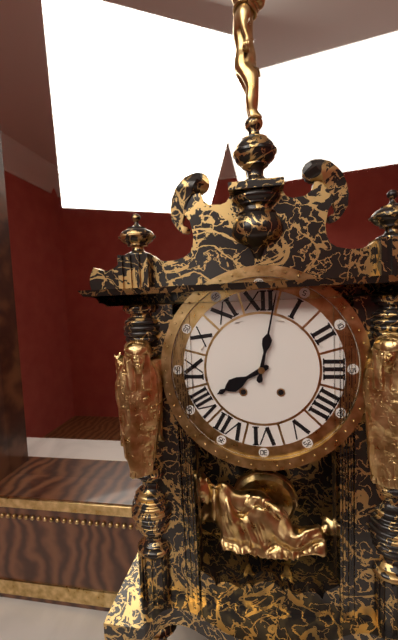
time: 8:02
